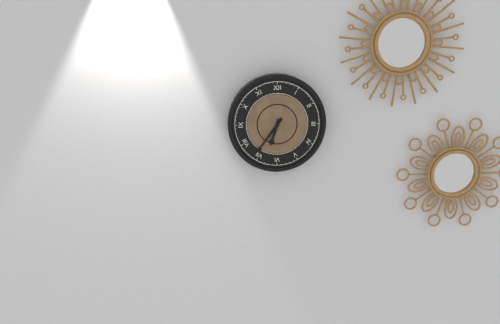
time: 6:36
